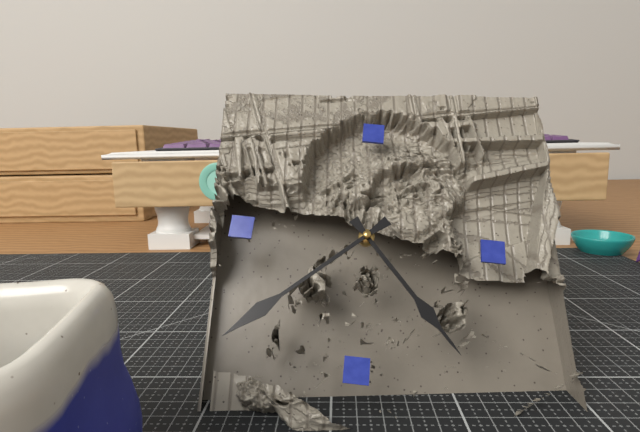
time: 4:38
